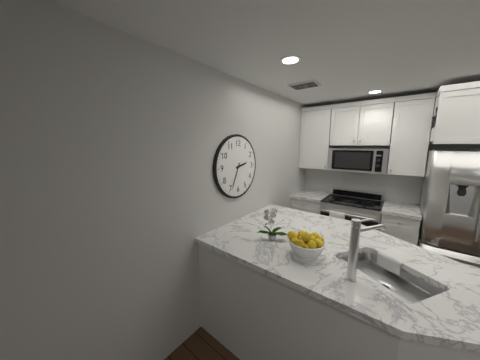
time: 2:34
